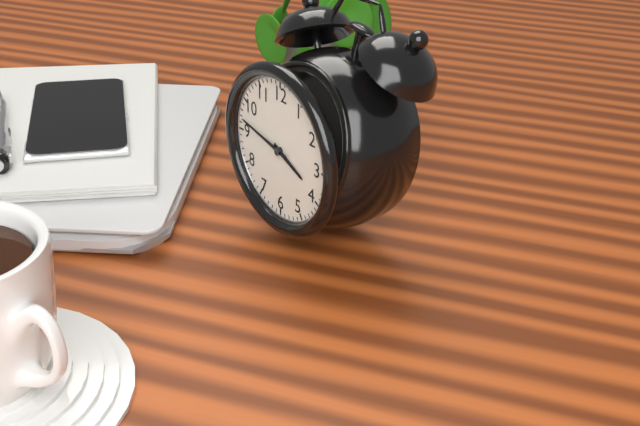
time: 3:47
